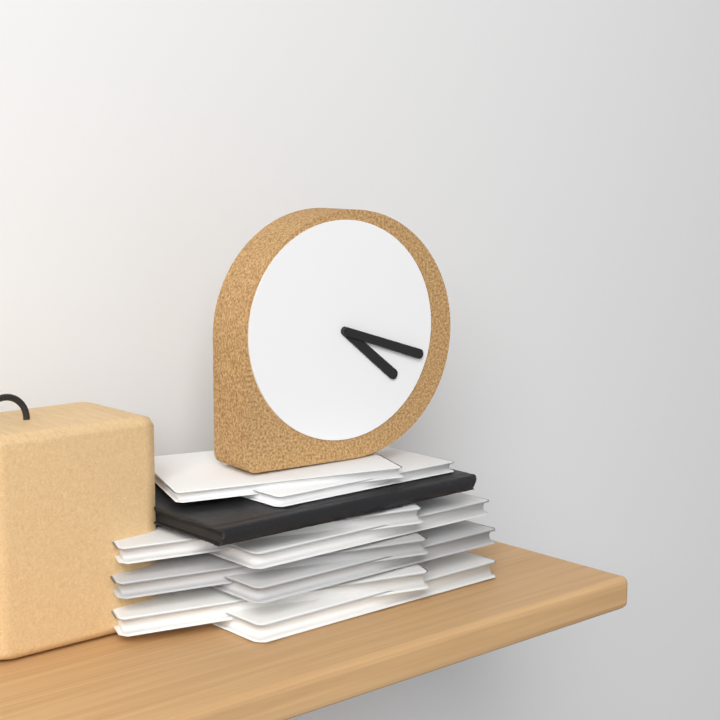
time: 4:18
